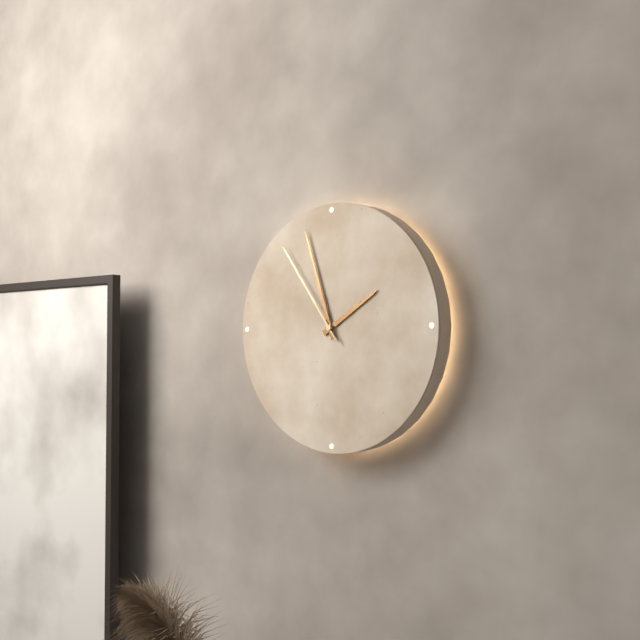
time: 1:57:54
